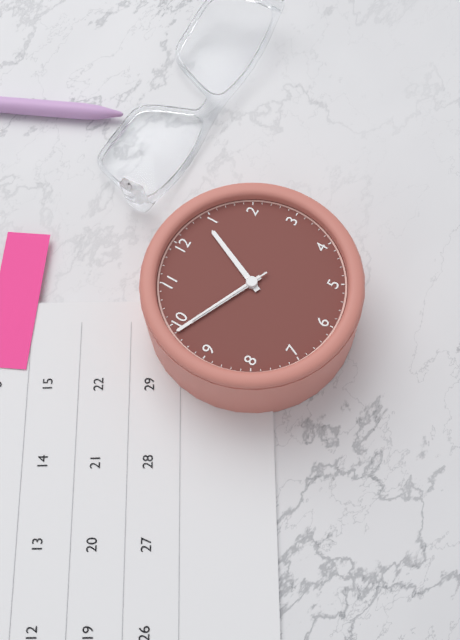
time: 12:49:49
